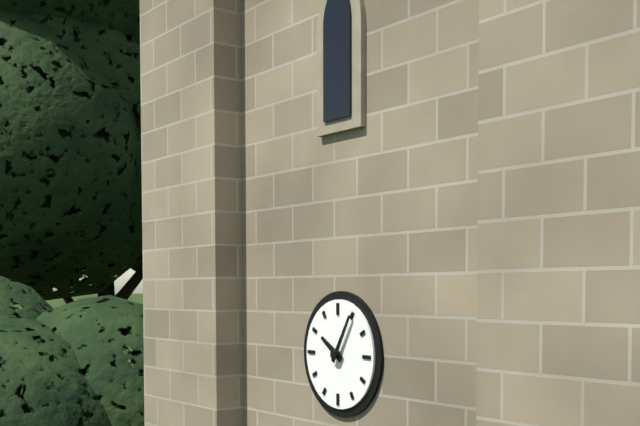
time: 10:05
